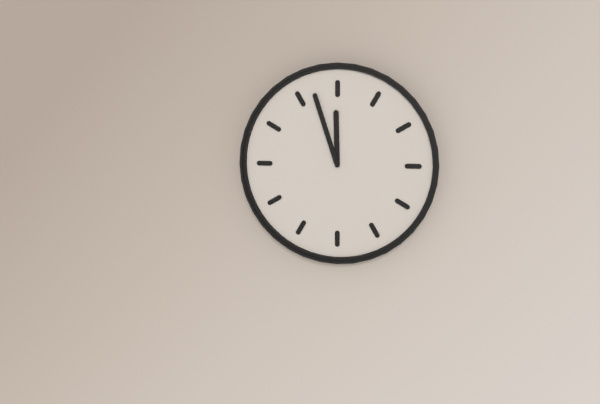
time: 11:57
